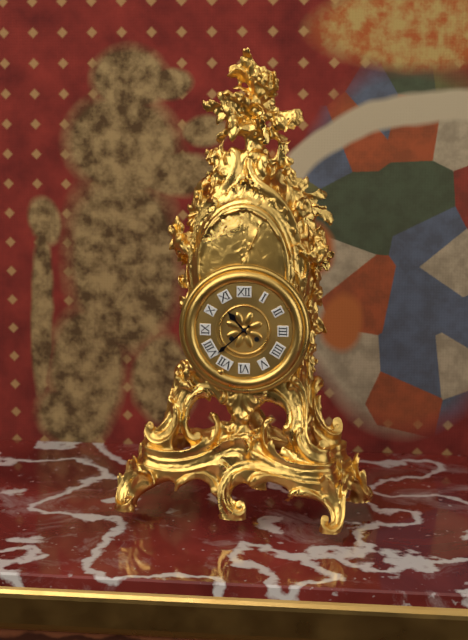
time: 10:38
